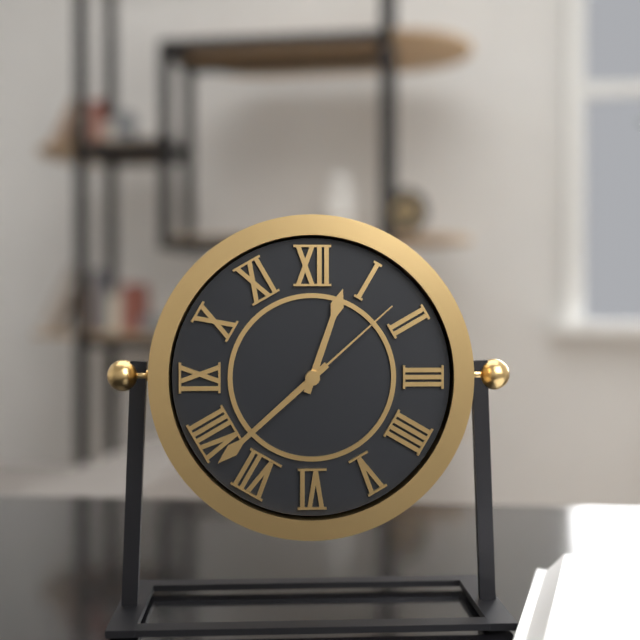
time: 12:38:08
